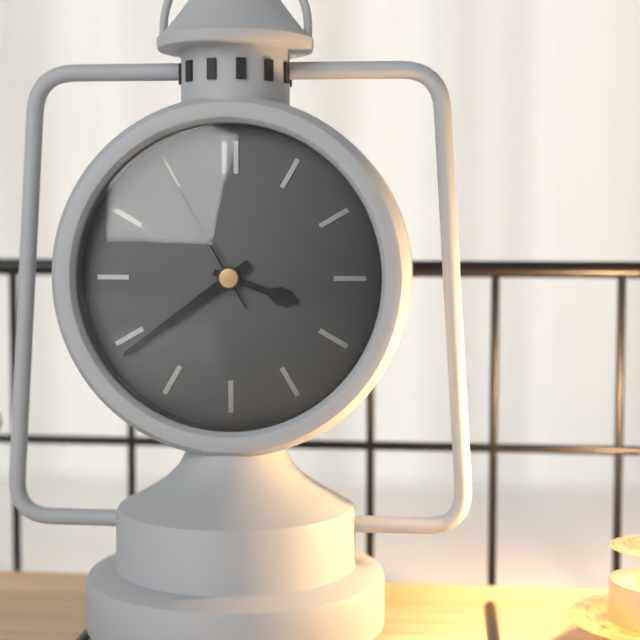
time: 3:39:55
